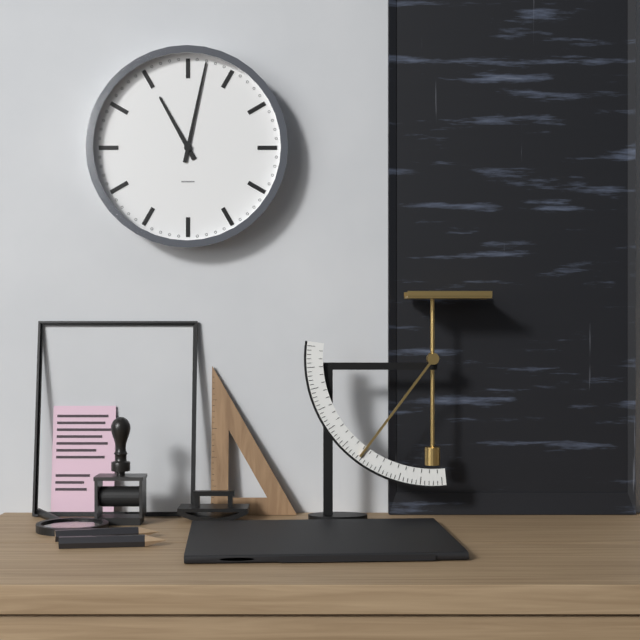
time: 11:02
